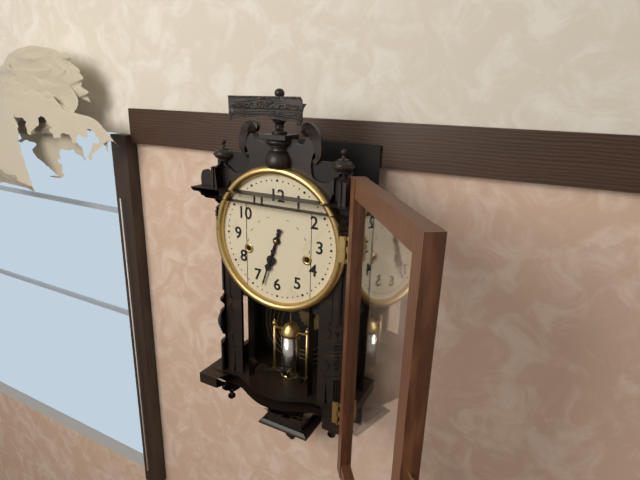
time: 6:33
